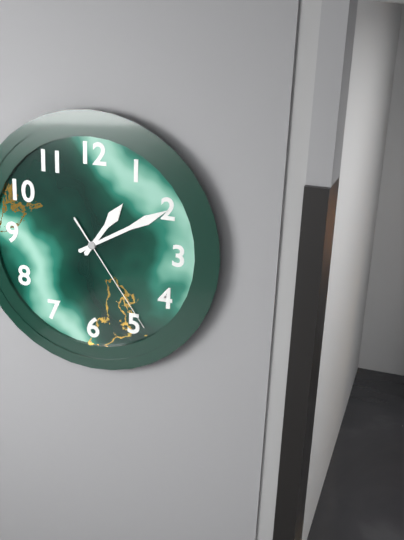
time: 1:10:24
